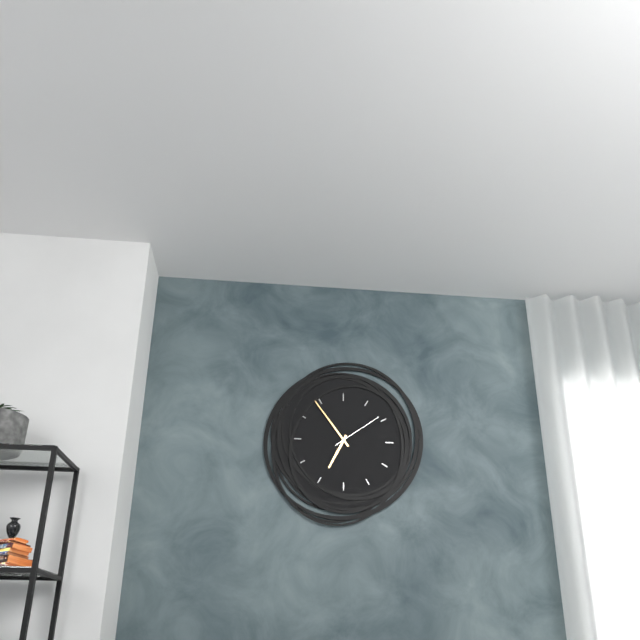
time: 6:54:09
